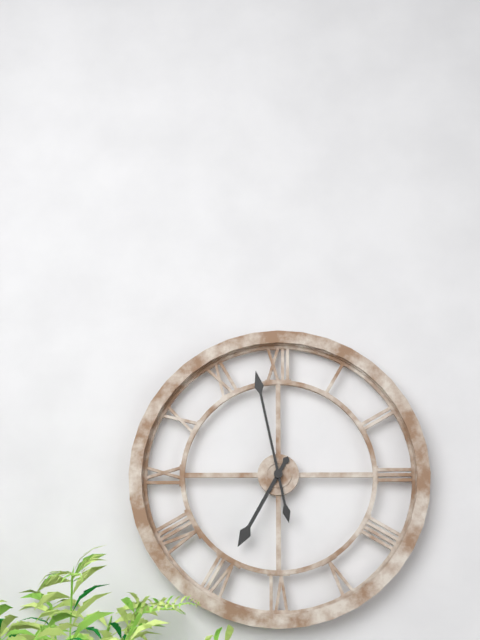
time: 6:58
